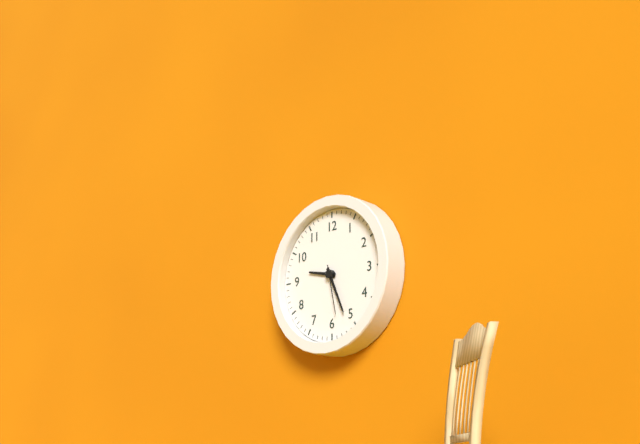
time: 9:26
